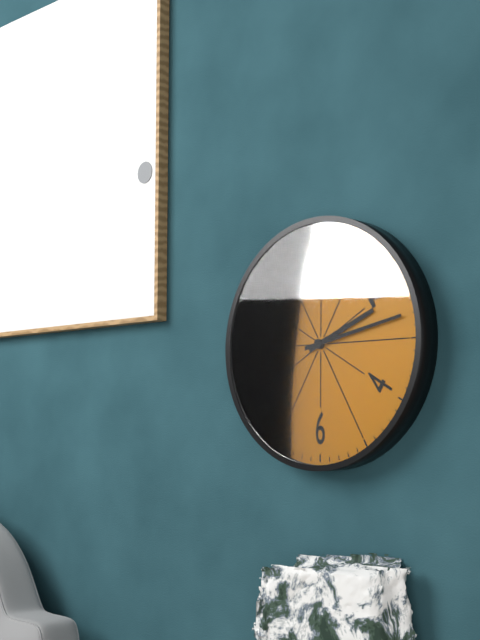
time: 2:13
